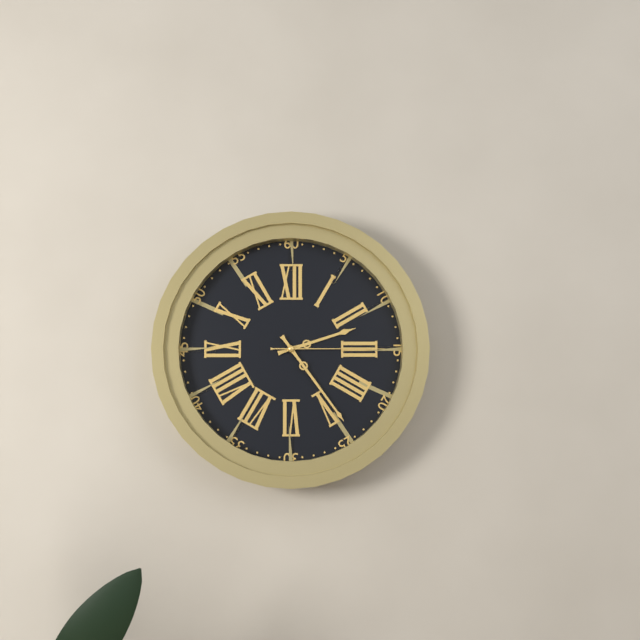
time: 2:24:15
